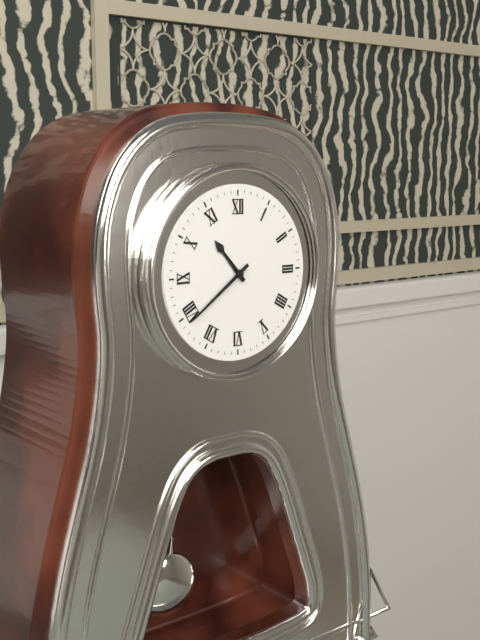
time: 10:39
